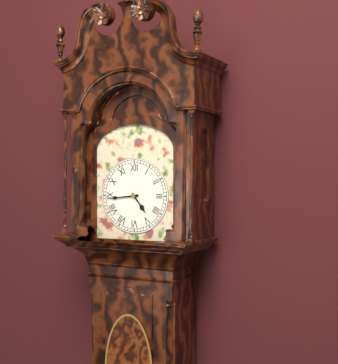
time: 4:44
